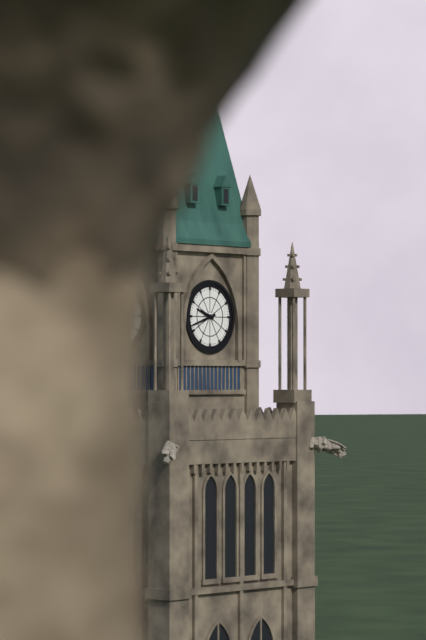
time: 9:42
